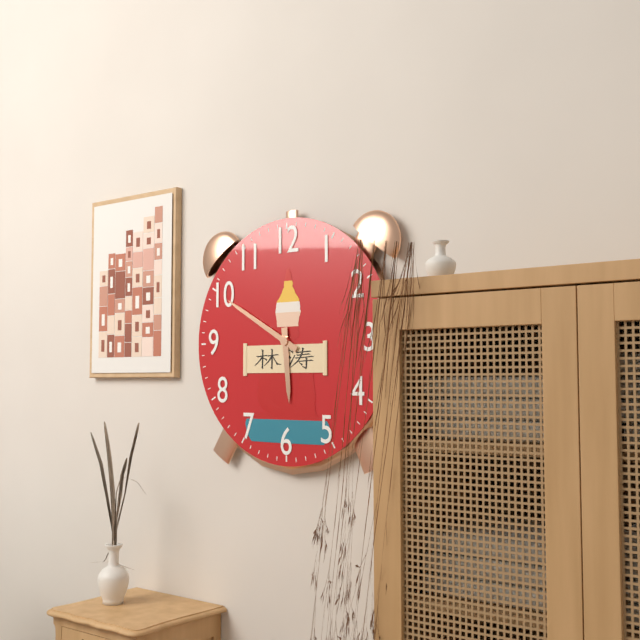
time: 5:50
